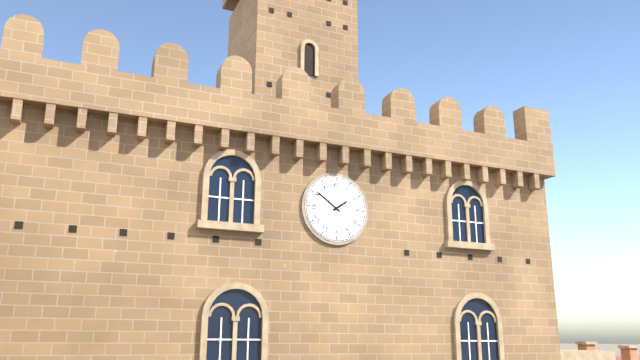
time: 1:51
